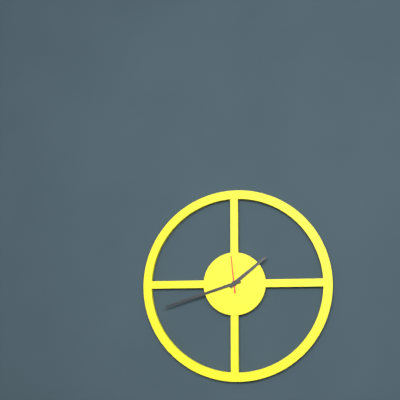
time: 1:42
